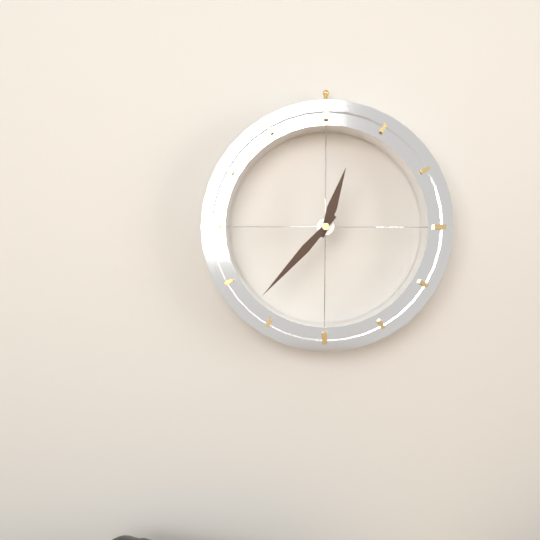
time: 12:37
